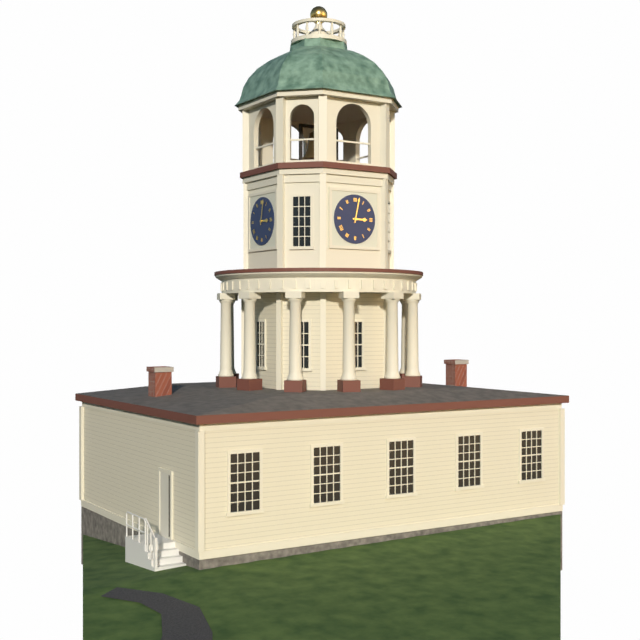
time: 3:02
